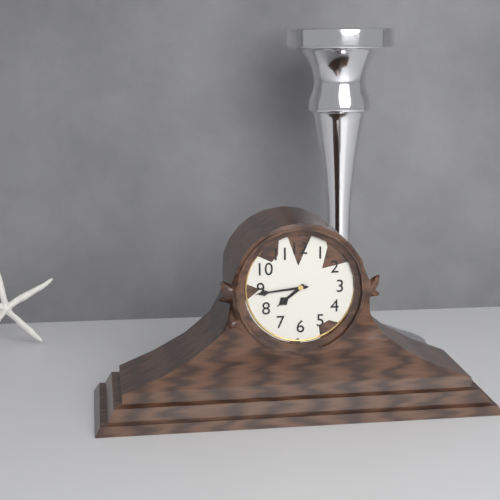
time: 7:44
